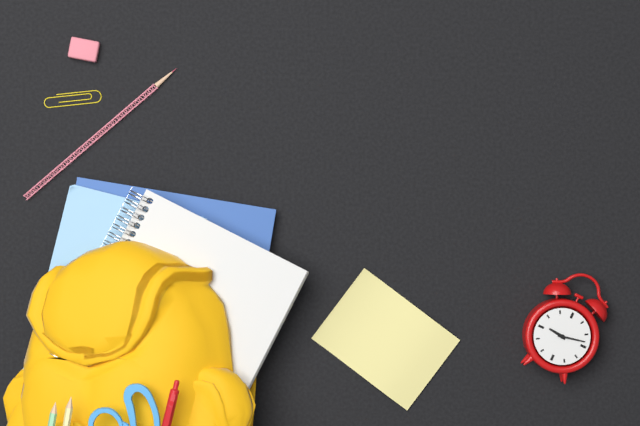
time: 9:13
